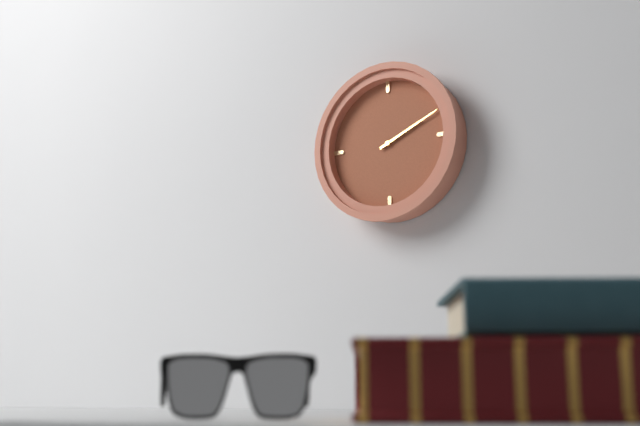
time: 2:11
